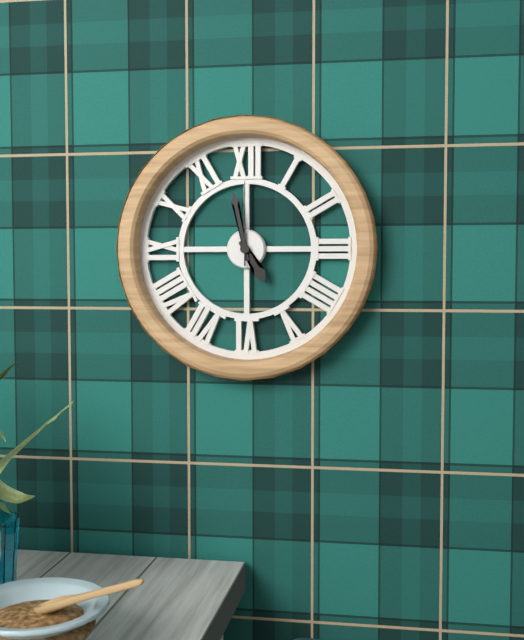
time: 4:58:00
